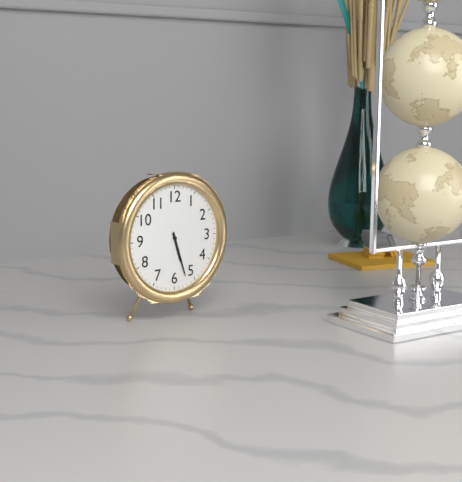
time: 5:27
